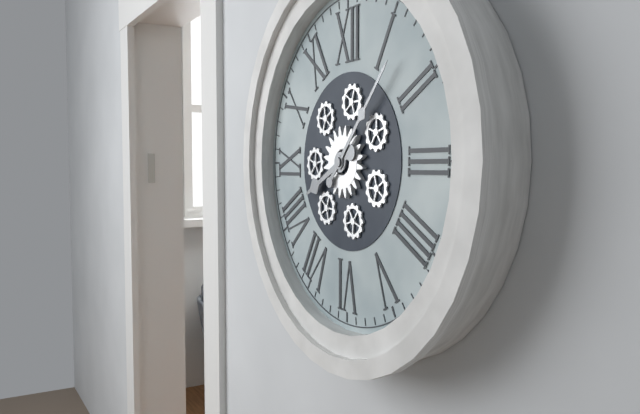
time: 8:07
